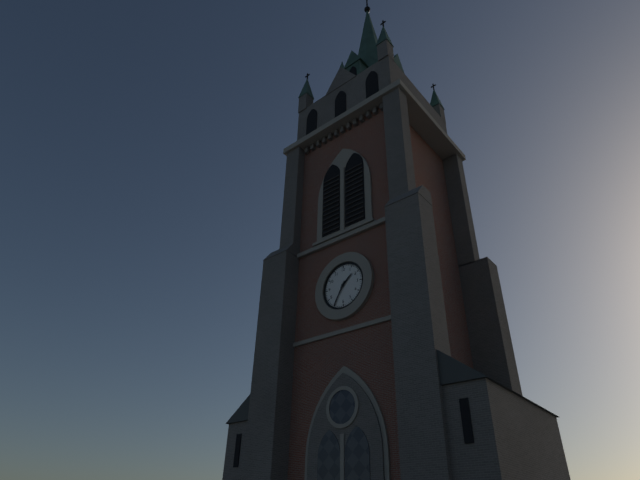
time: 1:35
